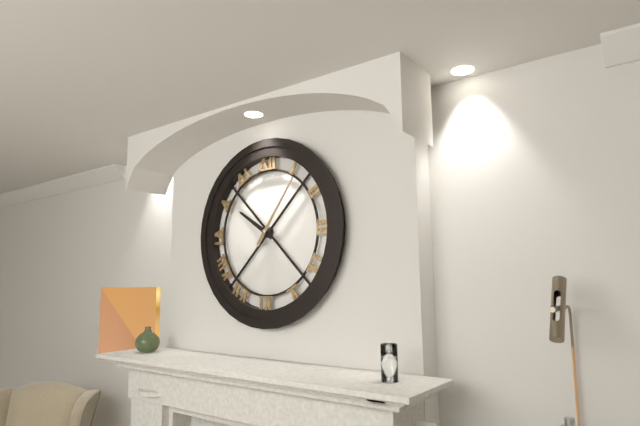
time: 10:06
